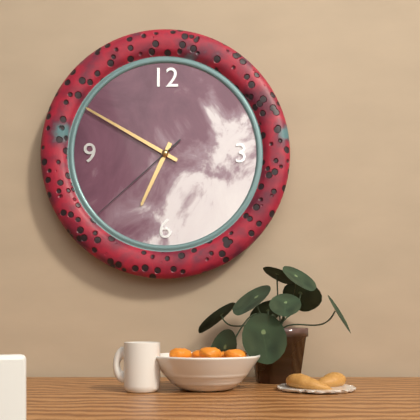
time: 6:50:38
